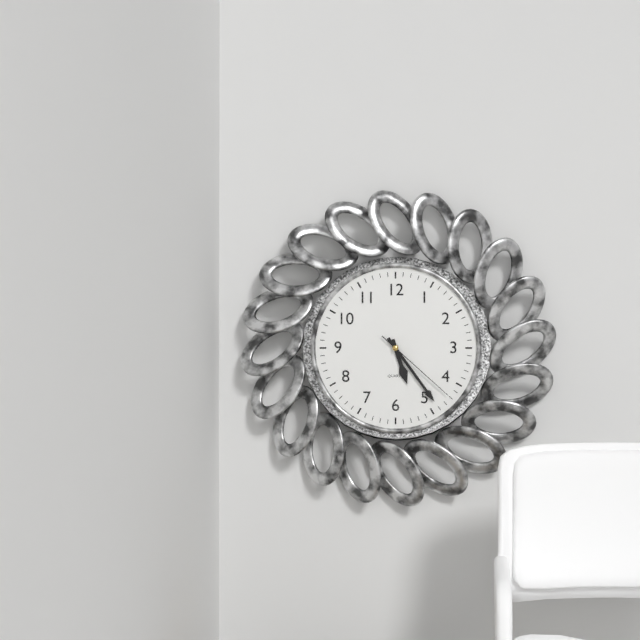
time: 5:24:22
